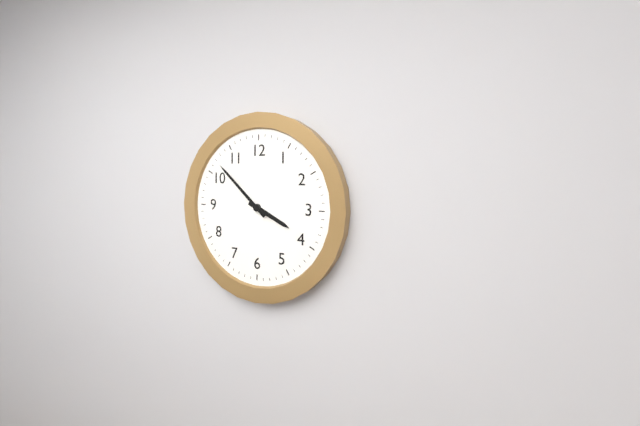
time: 3:52
